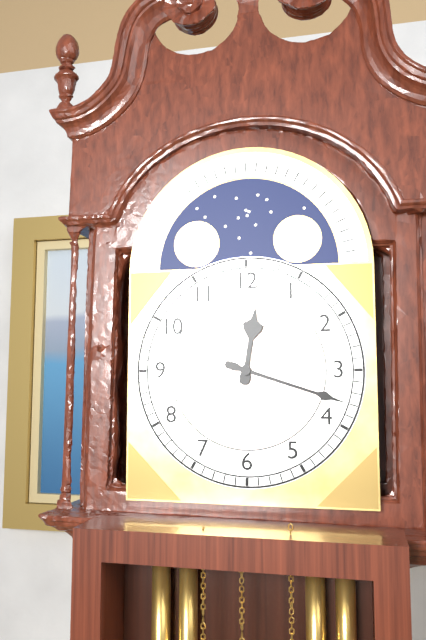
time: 12:18
